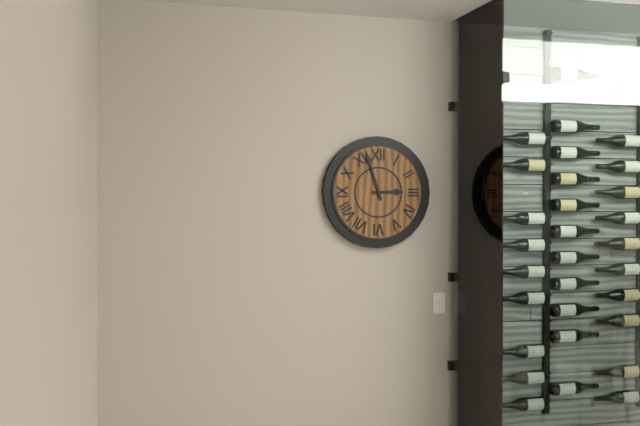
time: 2:57
